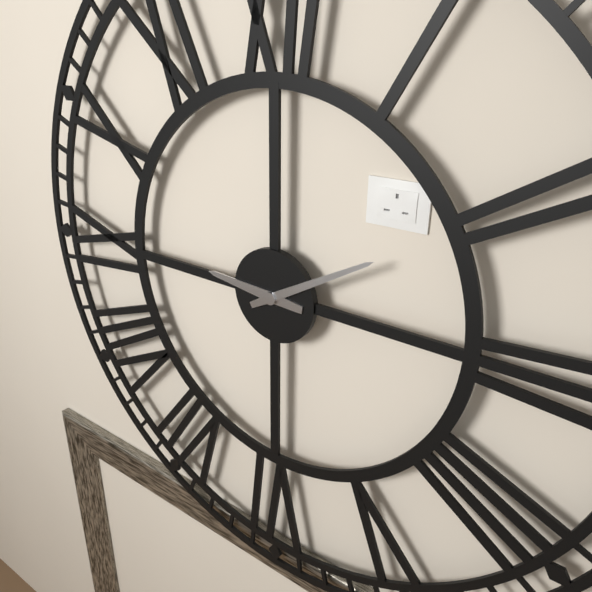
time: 9:10
